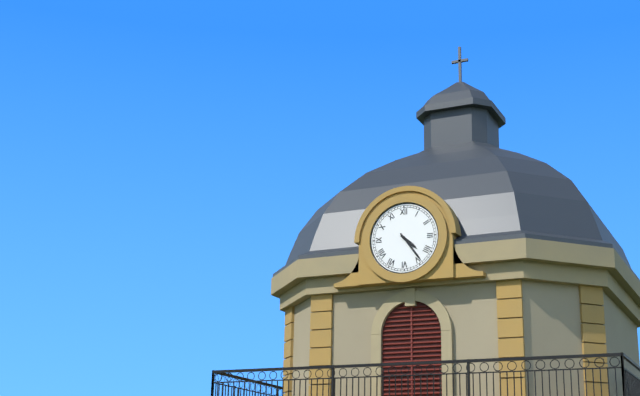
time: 4:24
